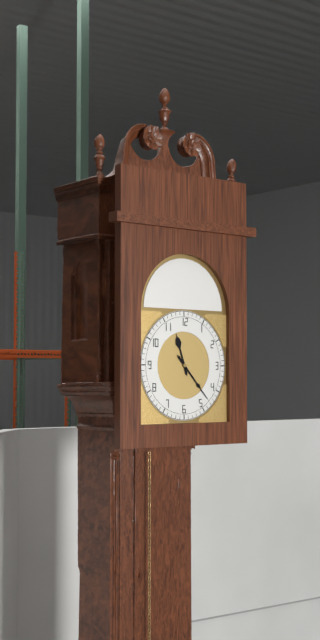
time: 11:23
